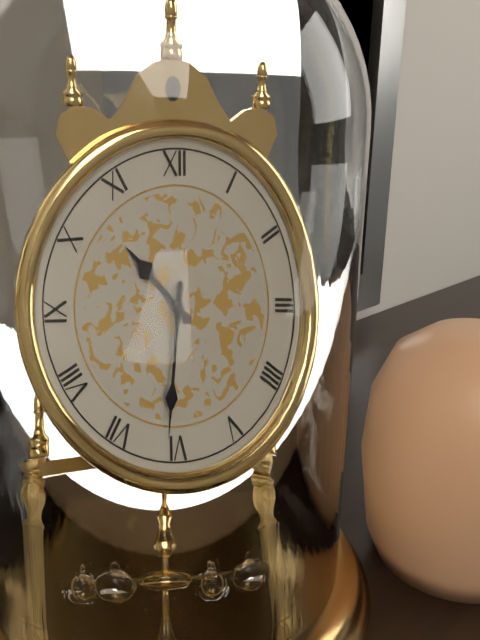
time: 10:31
